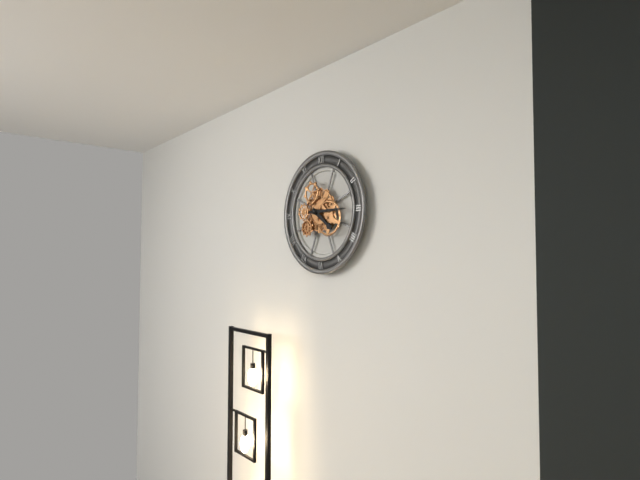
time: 4:15
